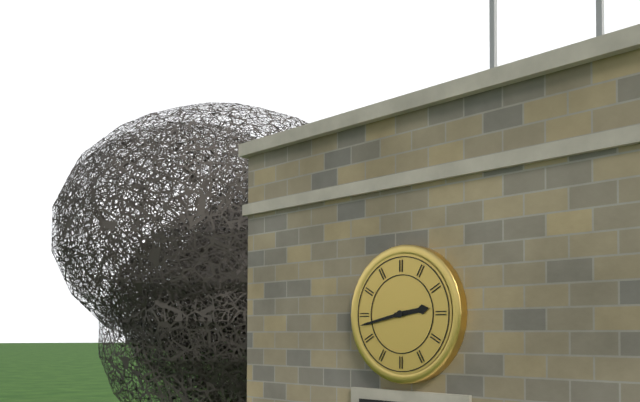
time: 2:43
